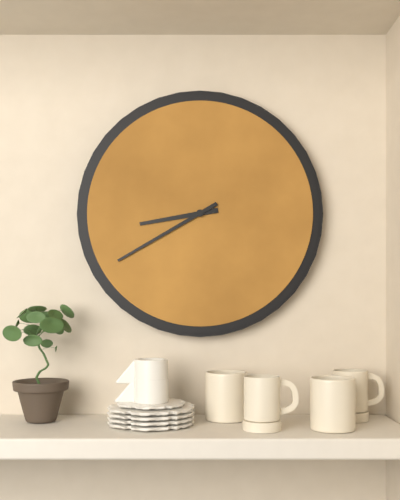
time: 8:40
